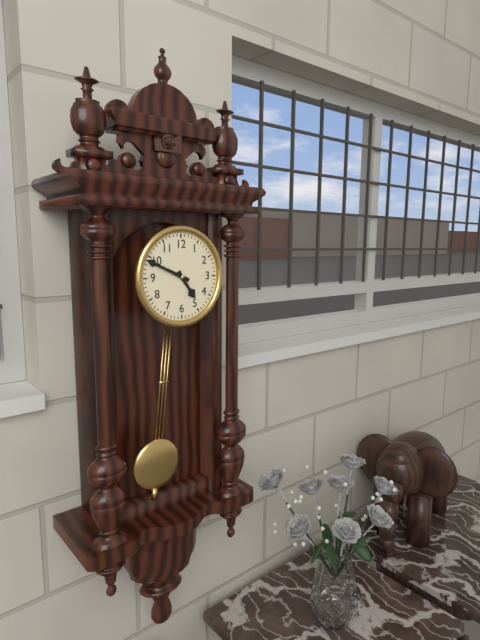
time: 4:49
